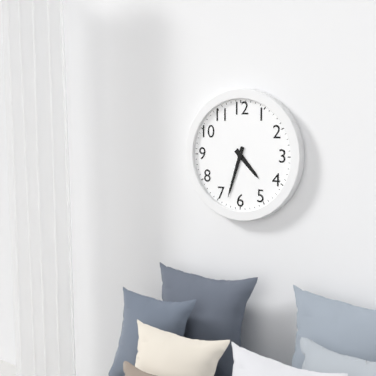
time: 4:33
